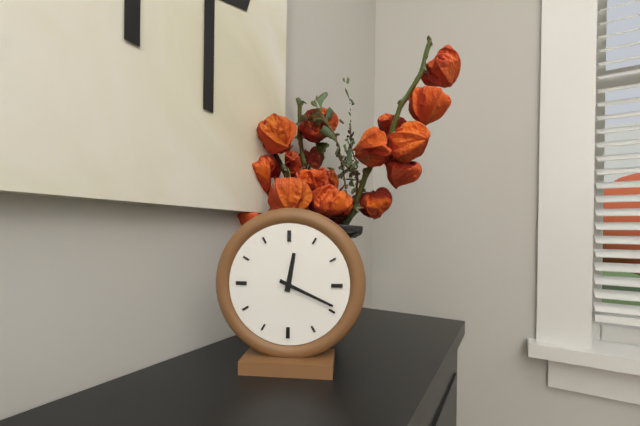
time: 12:19
